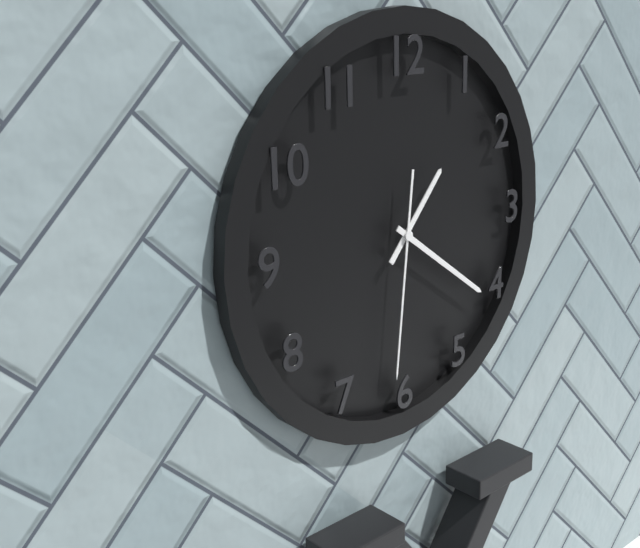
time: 1:21:31
